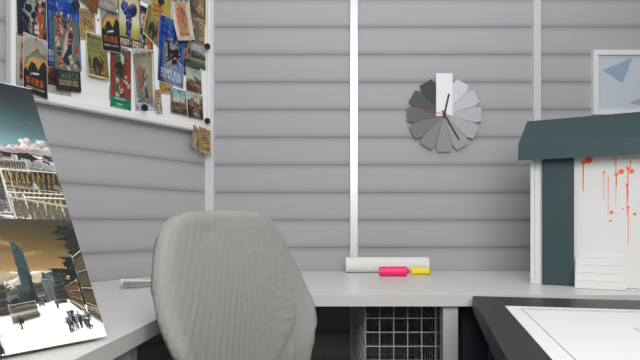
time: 12:25
